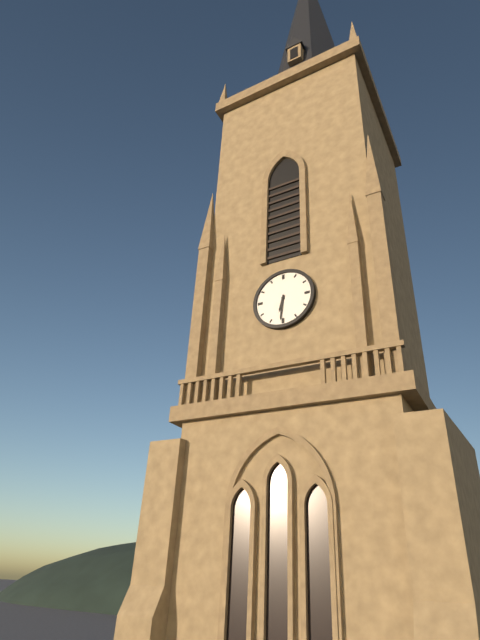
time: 6:31
